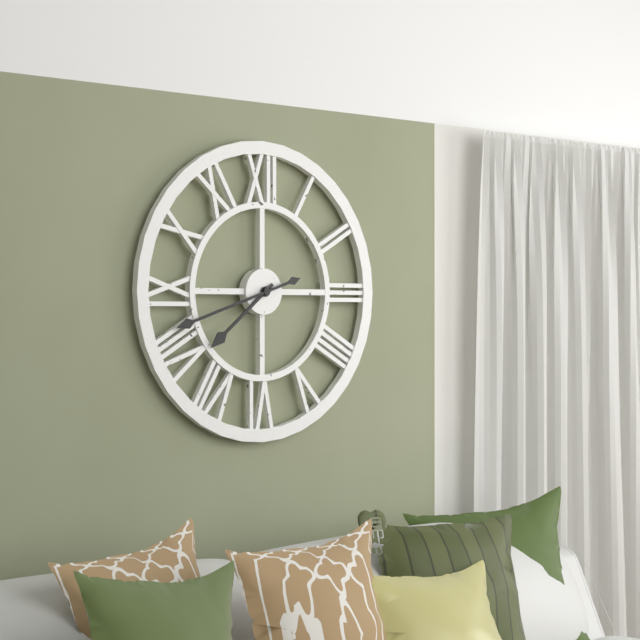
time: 7:42
